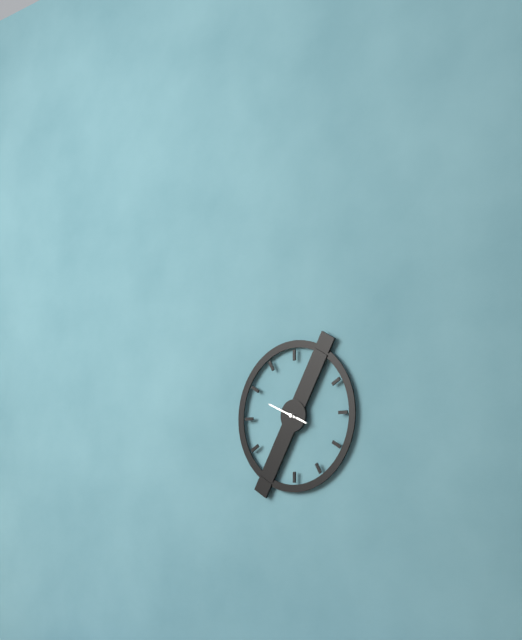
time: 3:49
